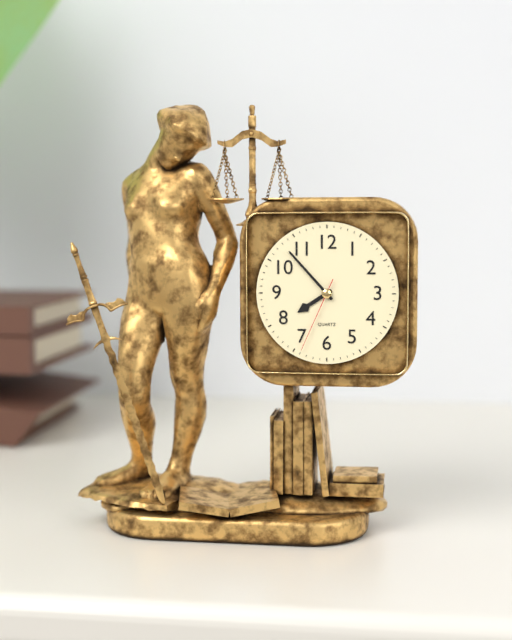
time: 7:53:34
